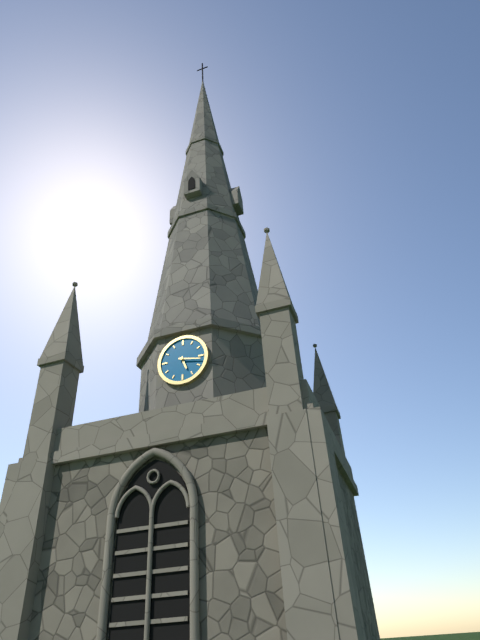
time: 5:17
